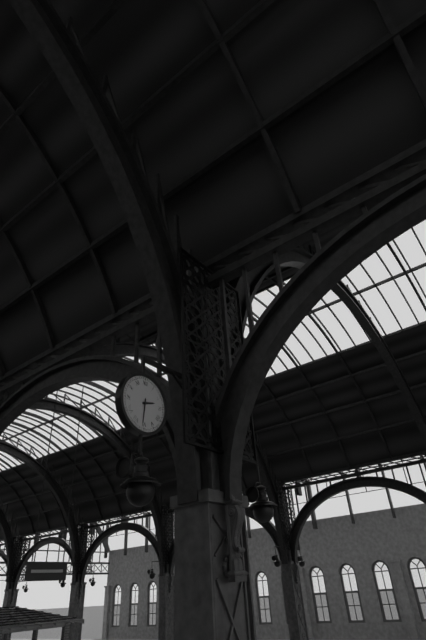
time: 2:31
